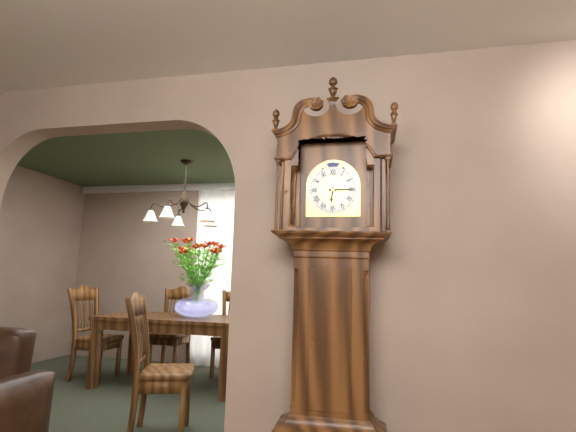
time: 6:15
